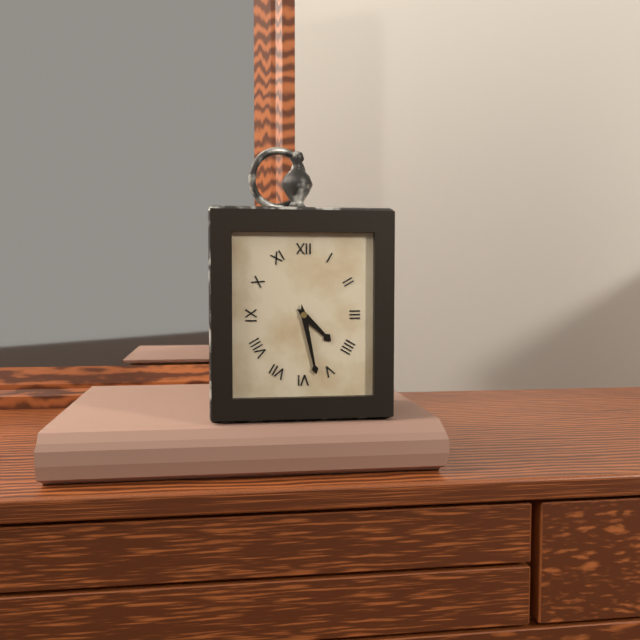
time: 4:28
